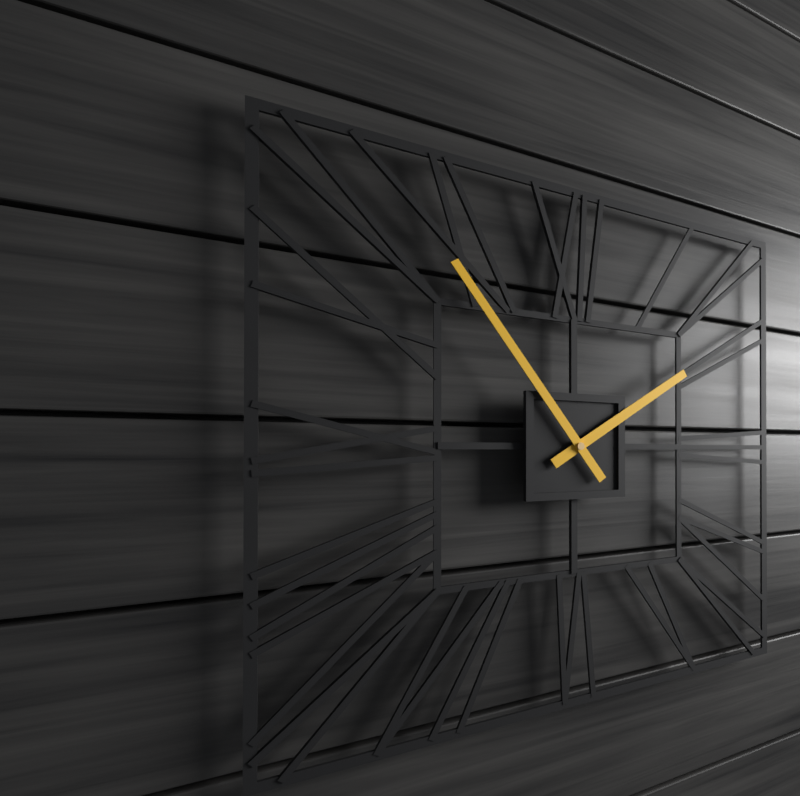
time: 1:54
